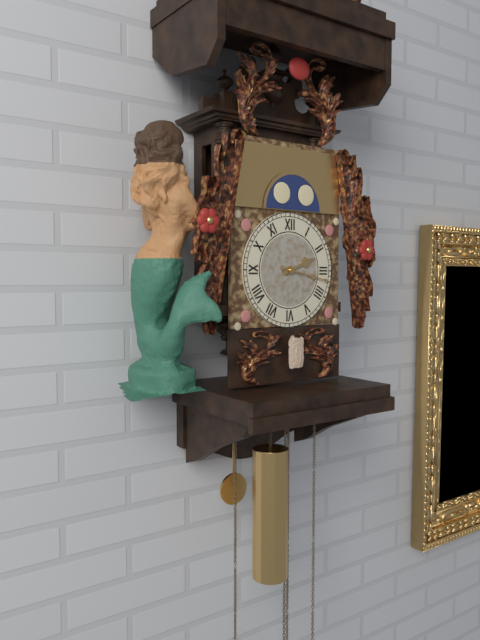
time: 2:17
